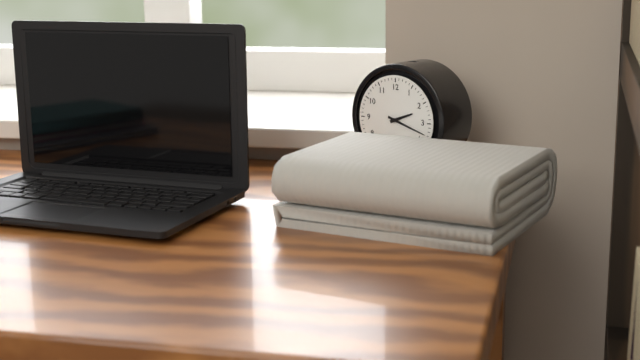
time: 2:18
